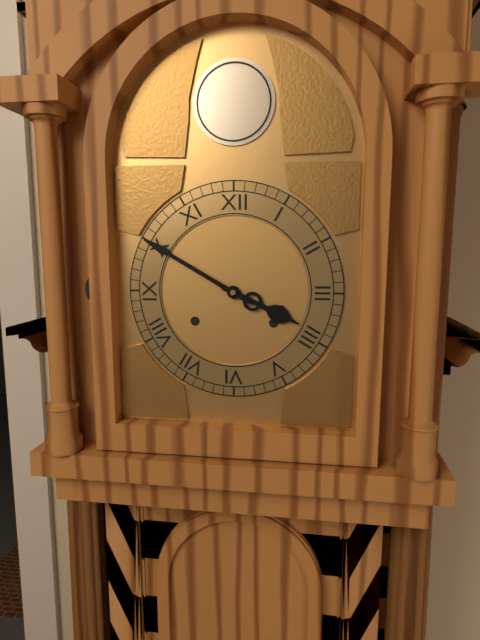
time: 3:50
